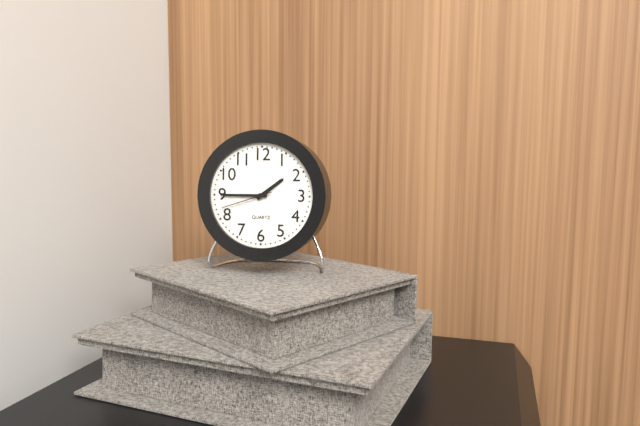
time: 1:45:42
